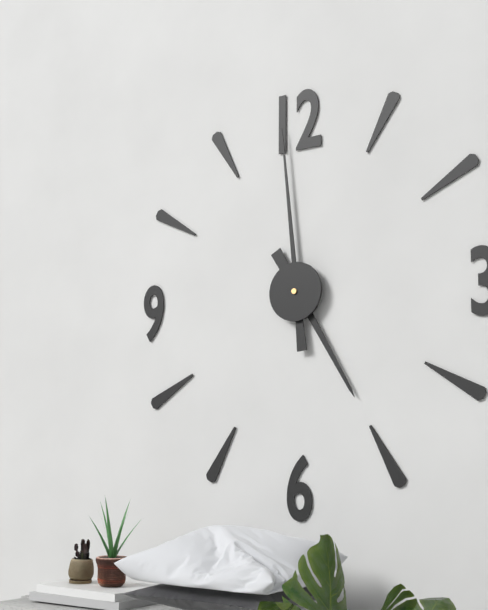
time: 4:59
